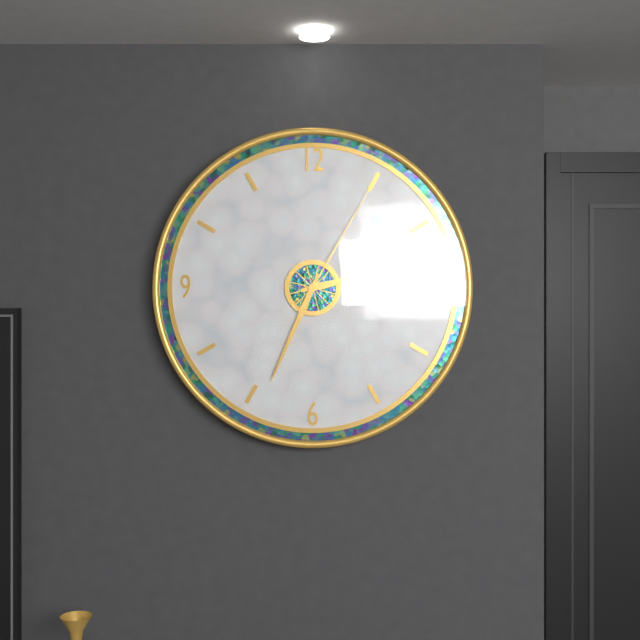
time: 2:34:05
